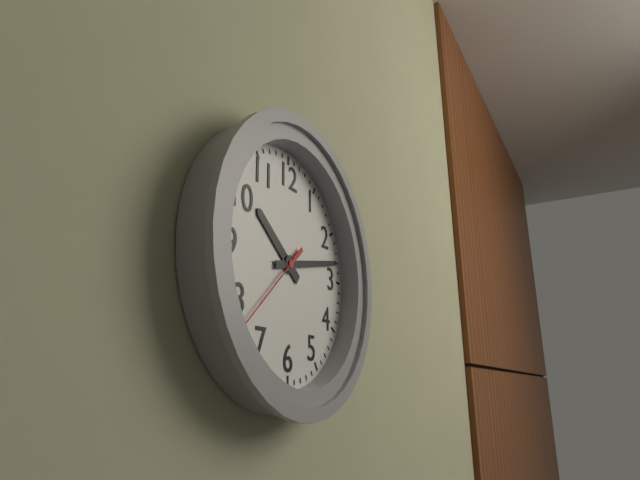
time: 10:13:38
